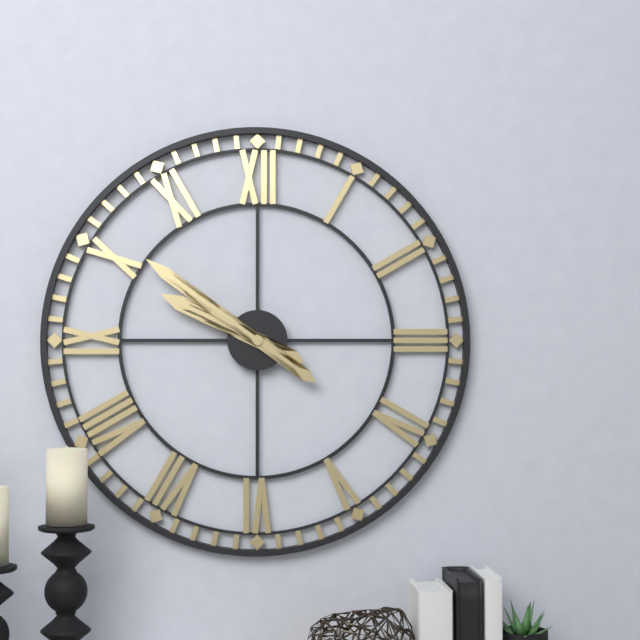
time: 9:51
